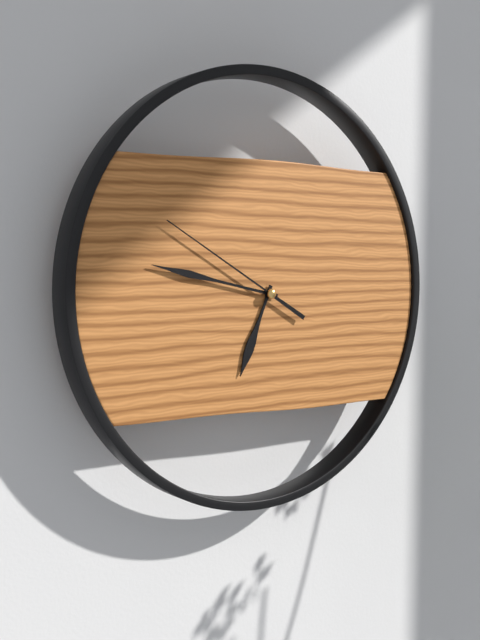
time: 6:47:50
